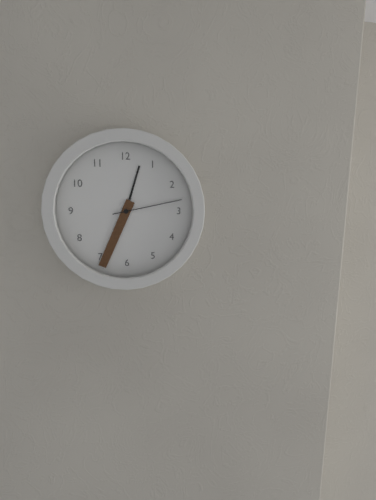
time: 12:34:13
